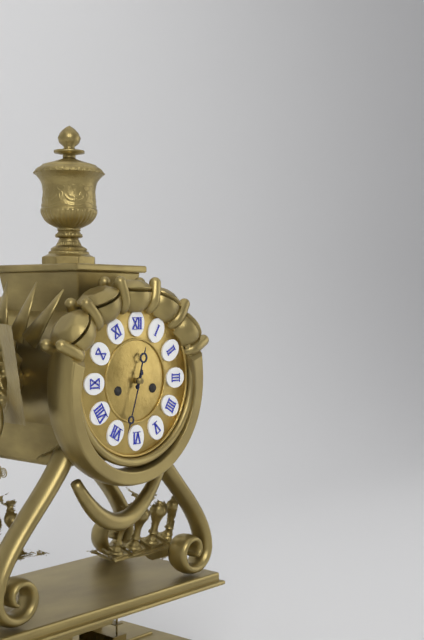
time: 12:33
